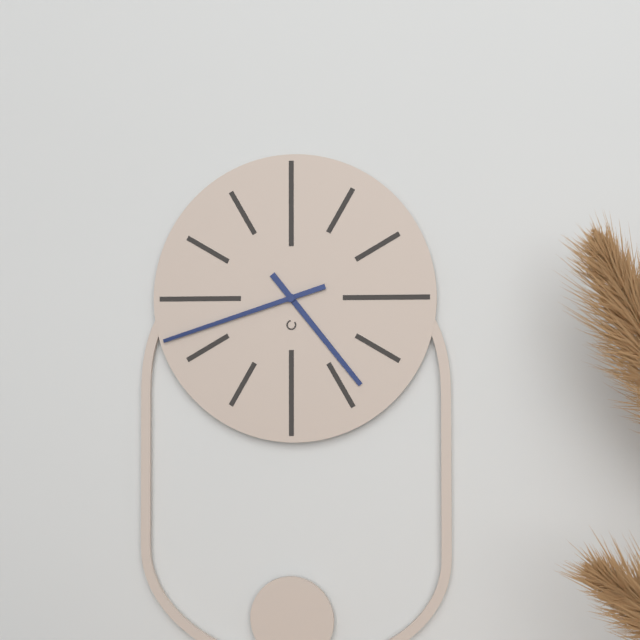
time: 4:42
